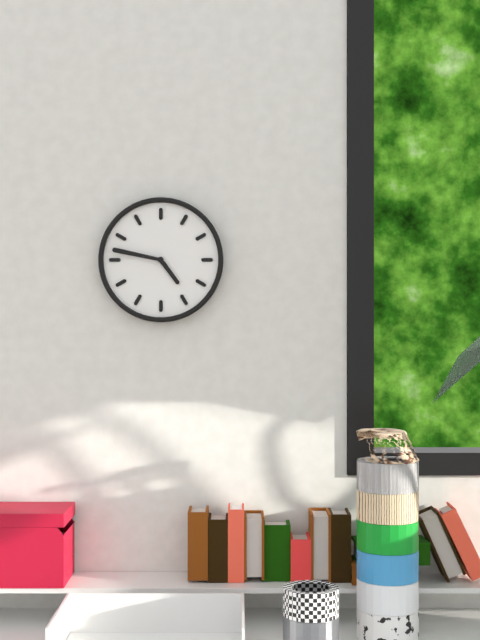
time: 4:47
